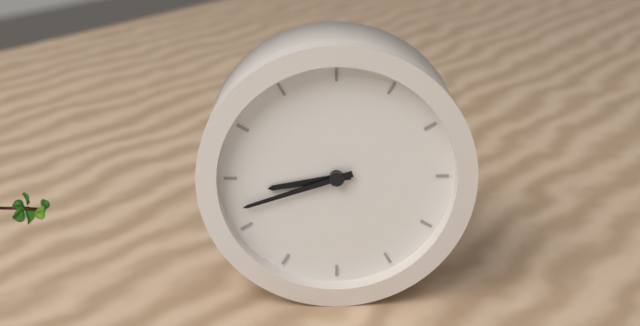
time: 8:42
